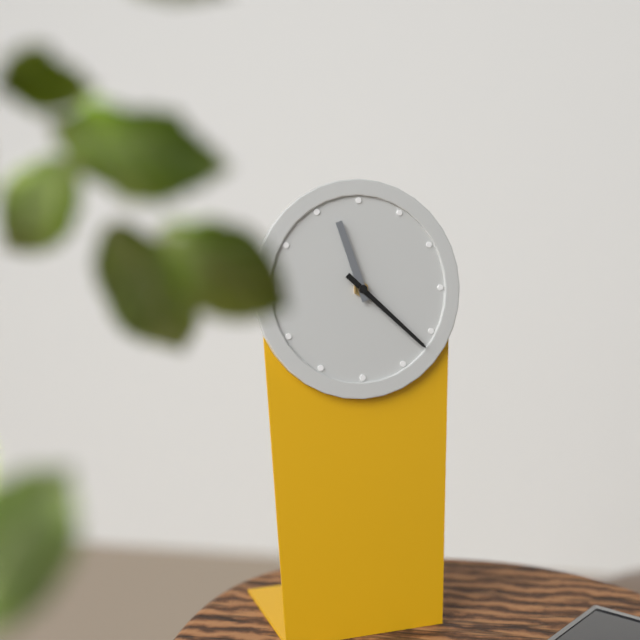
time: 11:22
